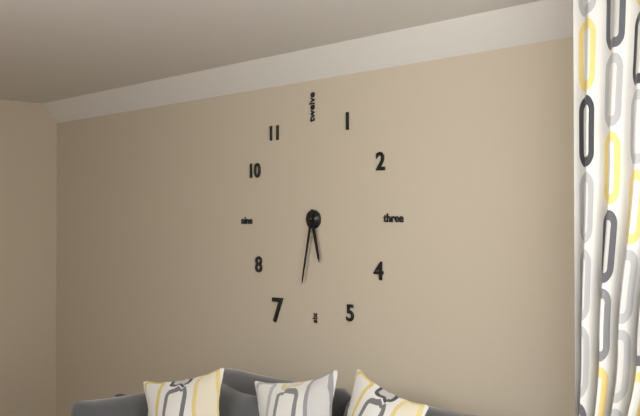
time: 5:32
